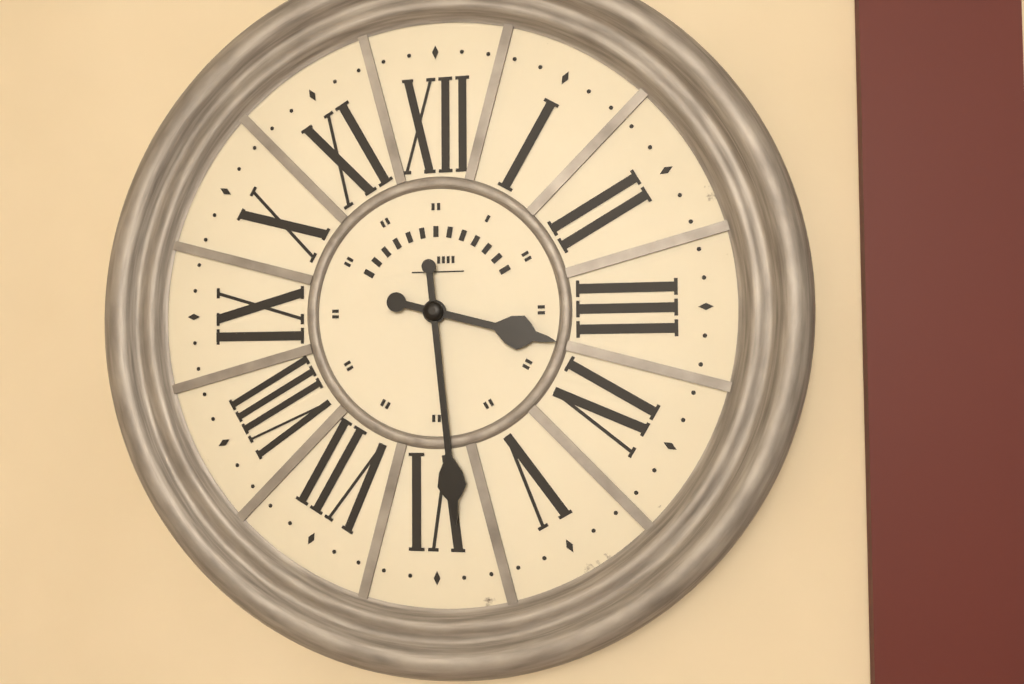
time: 3:29
